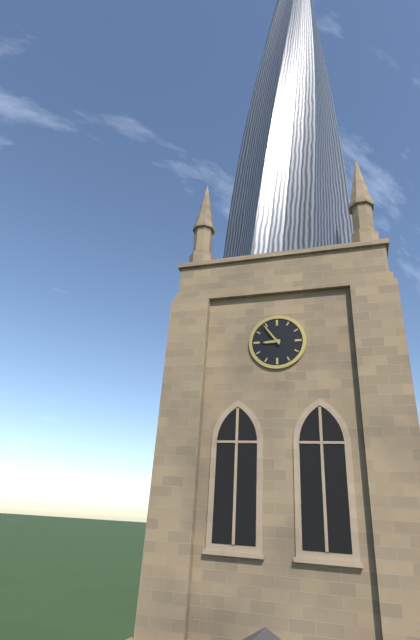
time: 8:54
